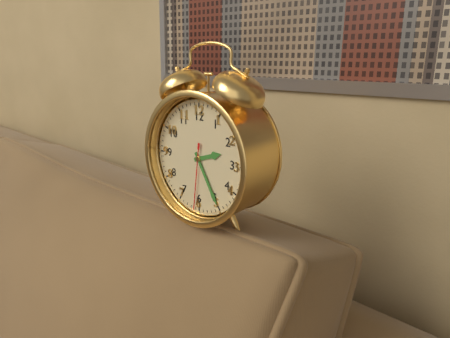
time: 2:25:31
